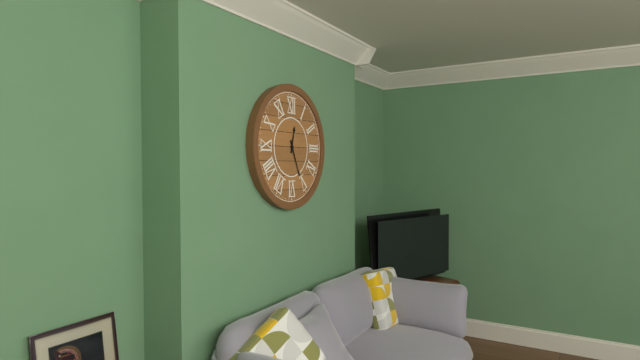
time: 12:26
